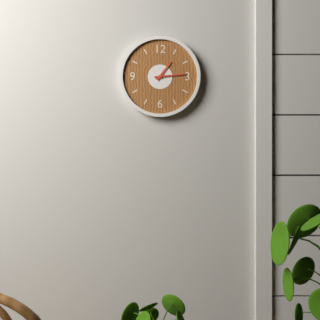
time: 1:14
